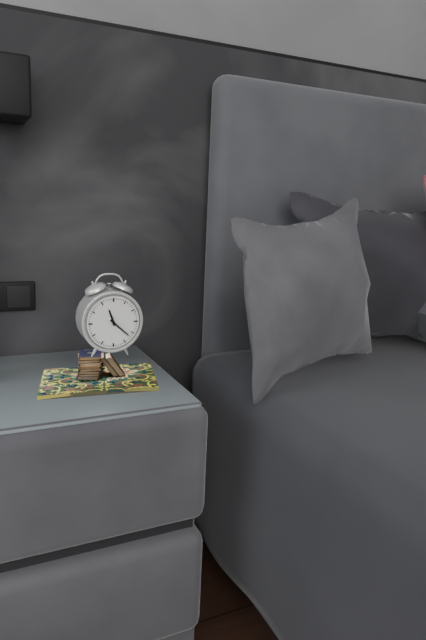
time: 11:22
